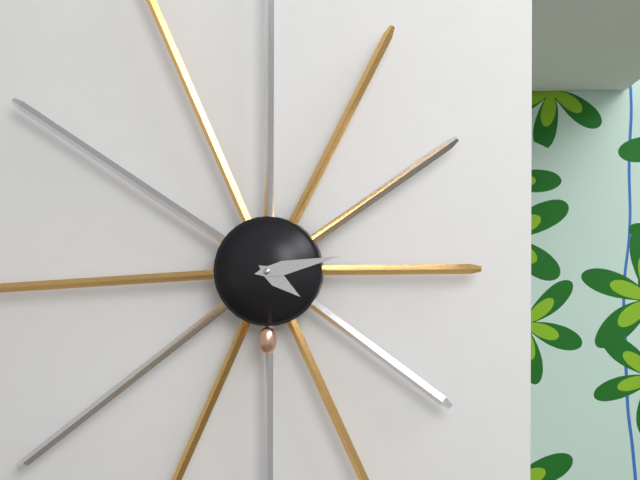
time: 4:13
